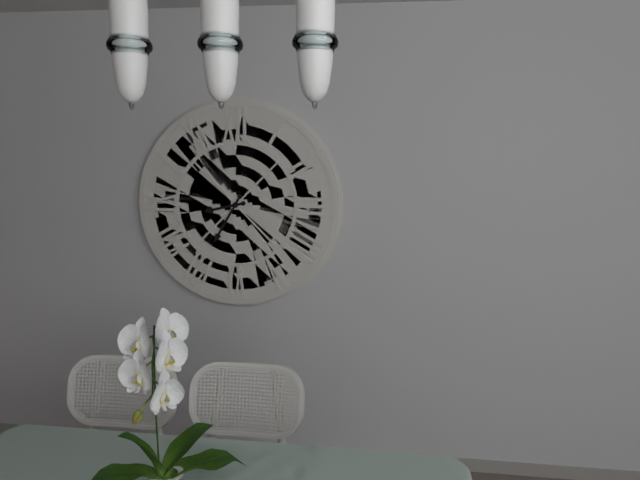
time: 8:35
